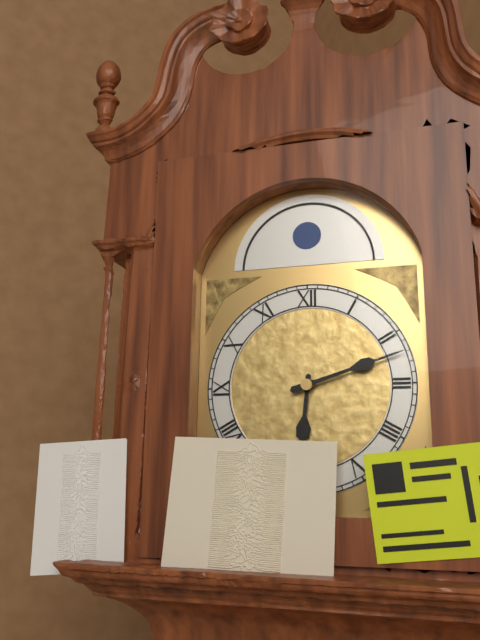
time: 6:12
